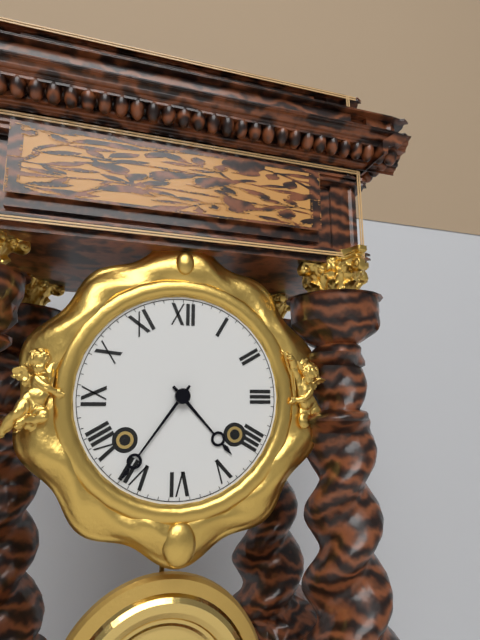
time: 4:36
